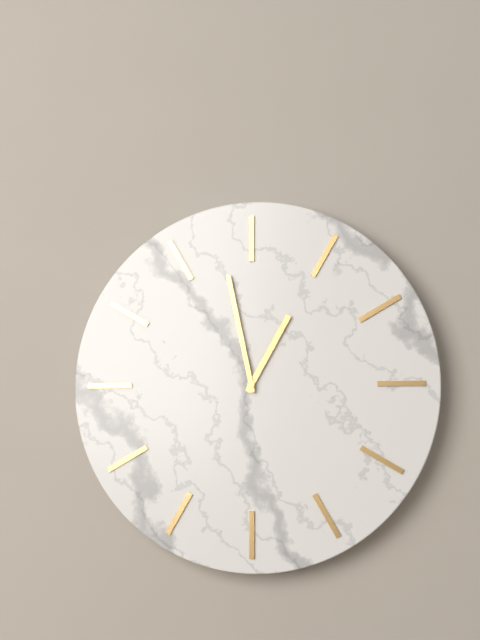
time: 12:58
